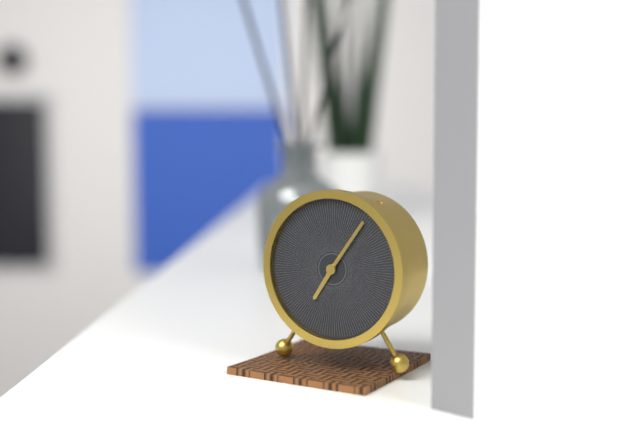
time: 7:06
